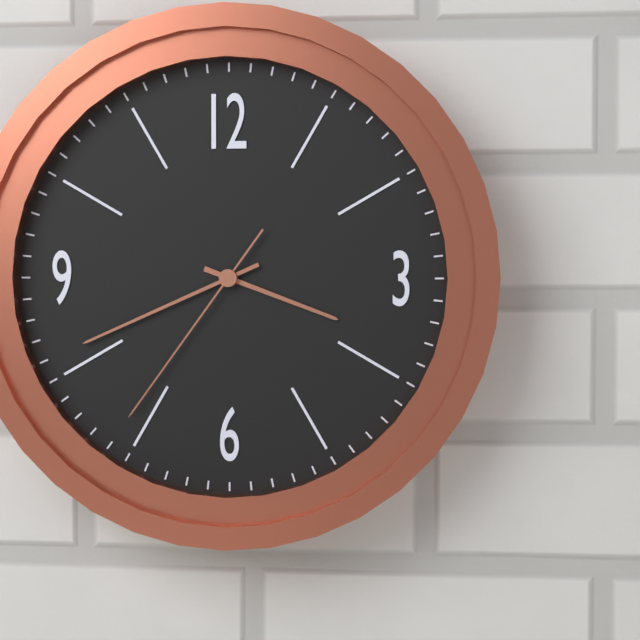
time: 3:41:36
